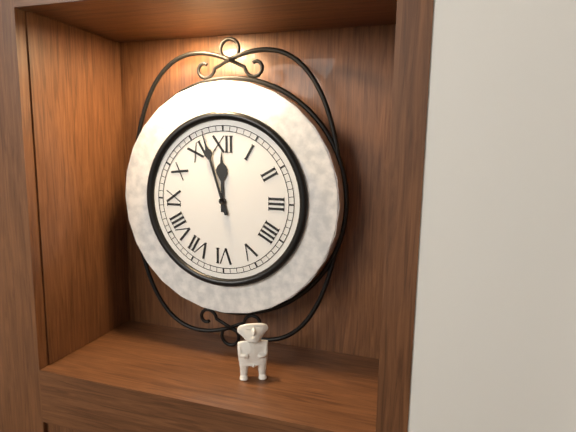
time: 11:57
